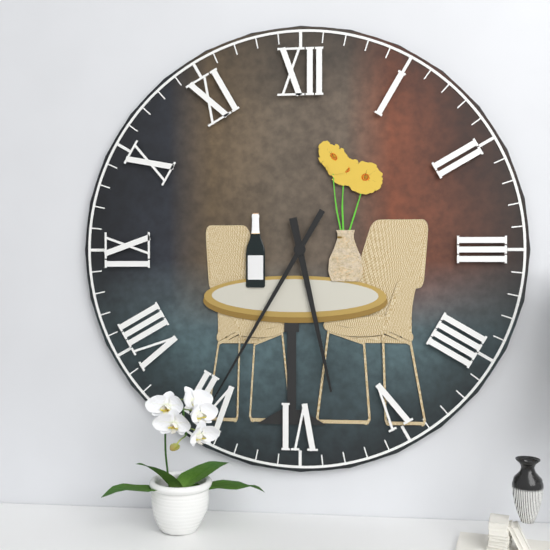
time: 5:35
